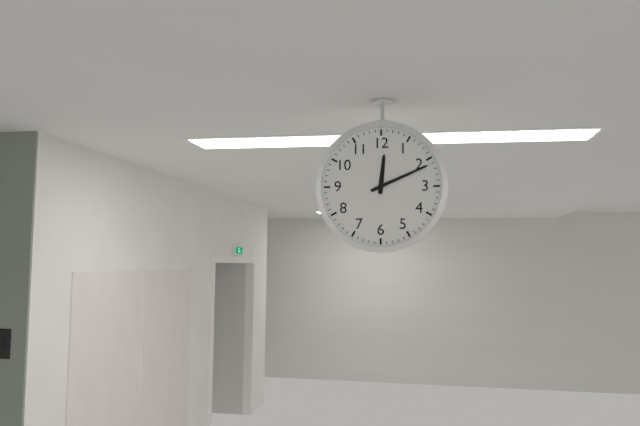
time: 12:11
